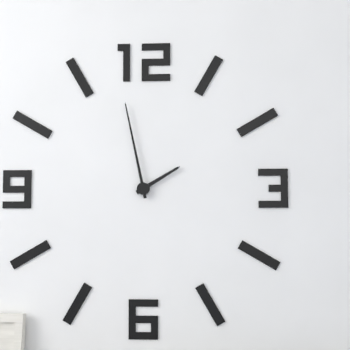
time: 1:58
